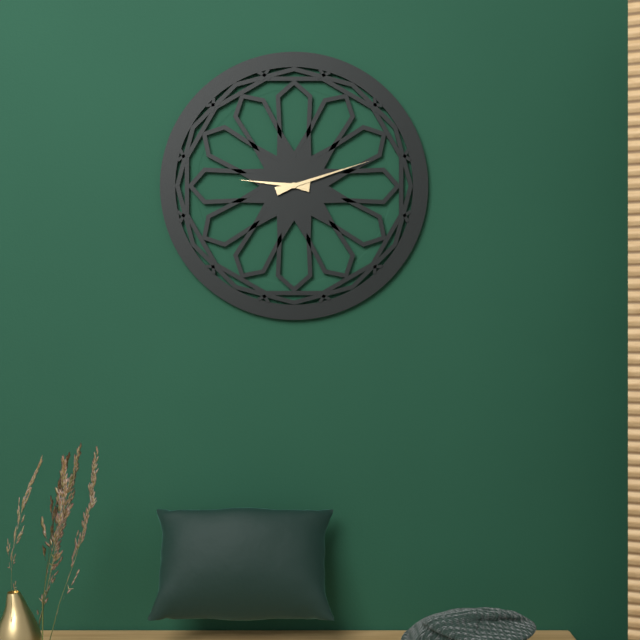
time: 9:12
